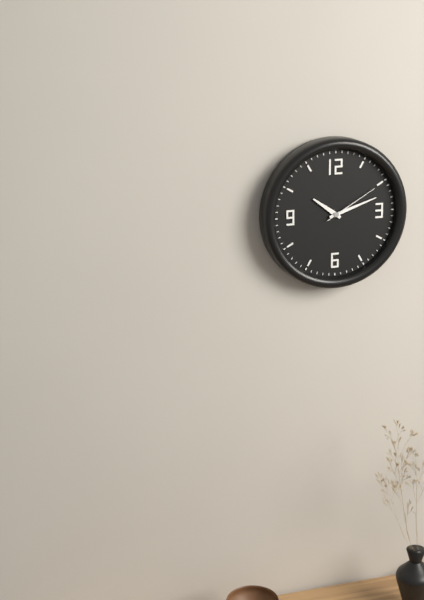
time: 10:12:10
